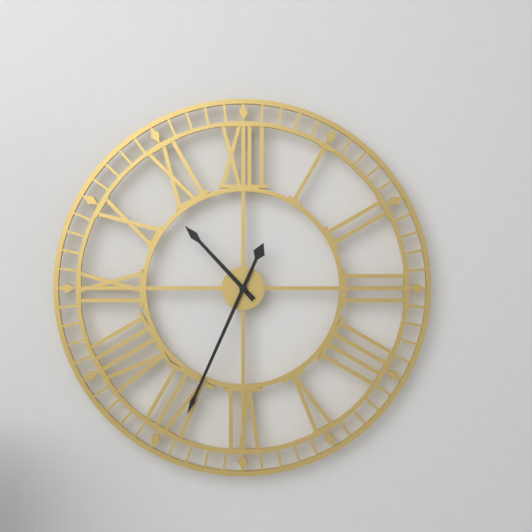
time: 10:34
